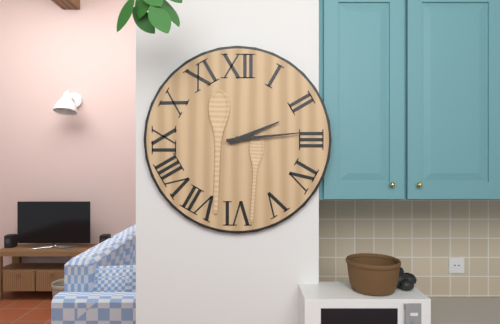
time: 2:14
